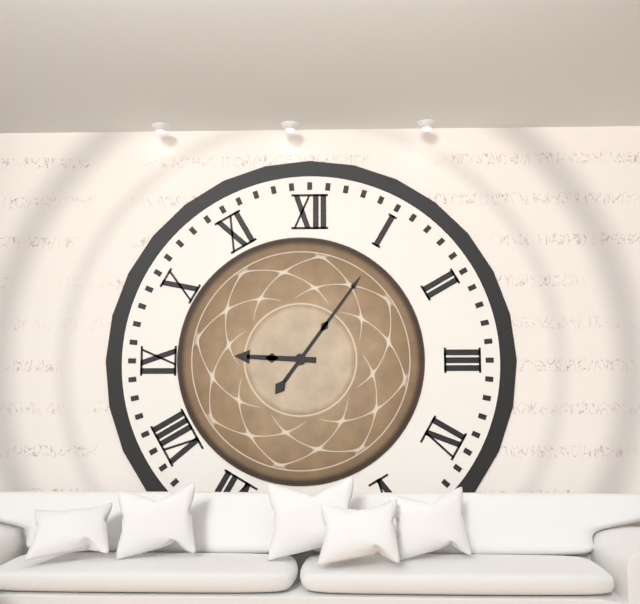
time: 9:06
